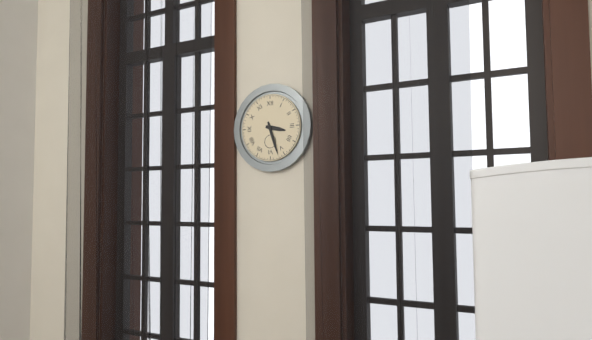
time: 3:27
